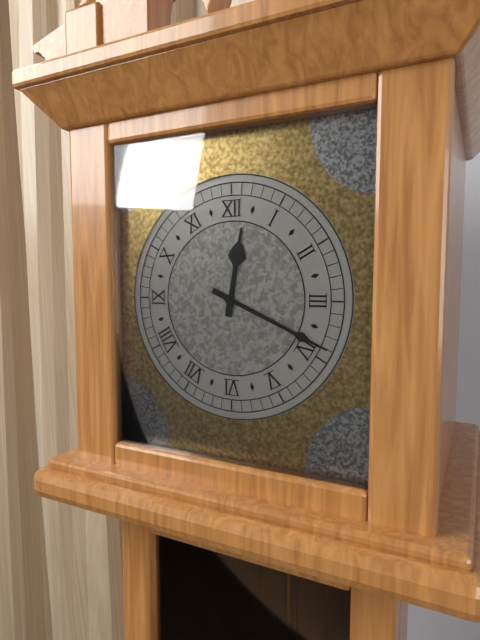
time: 12:19
